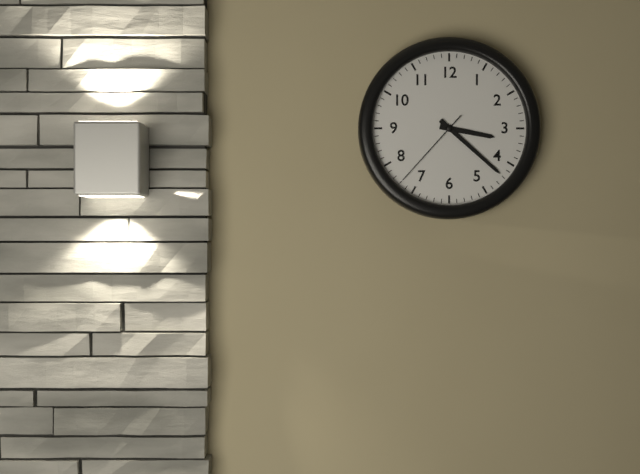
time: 3:22:37
